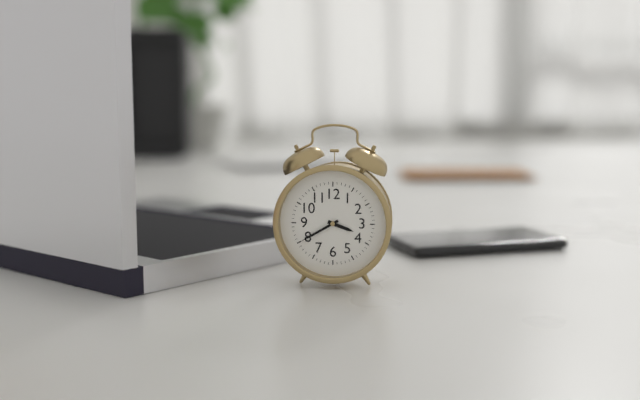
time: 3:40
